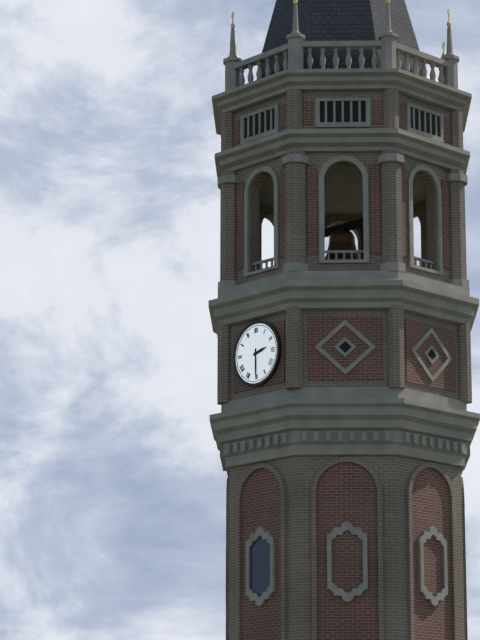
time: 2:30
